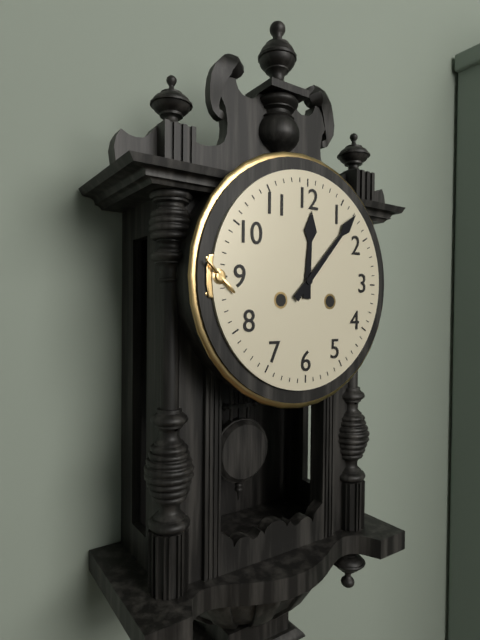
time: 12:07
